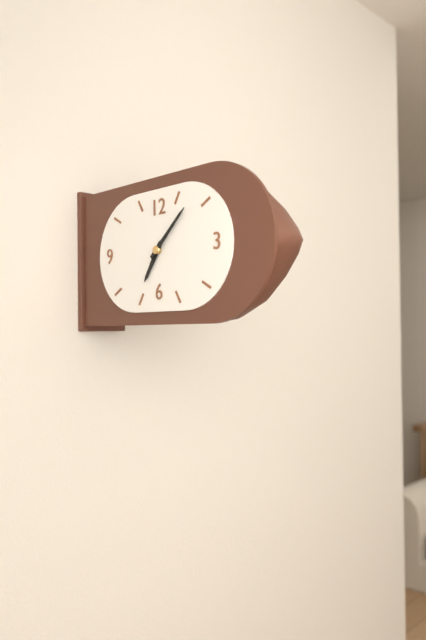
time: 7:08
